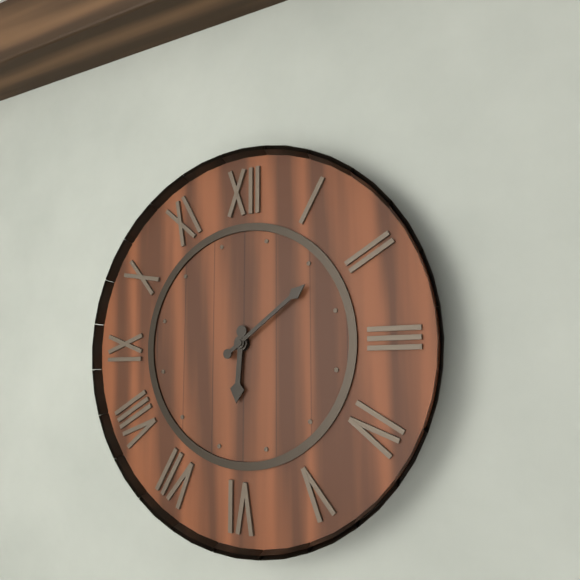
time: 6:09
